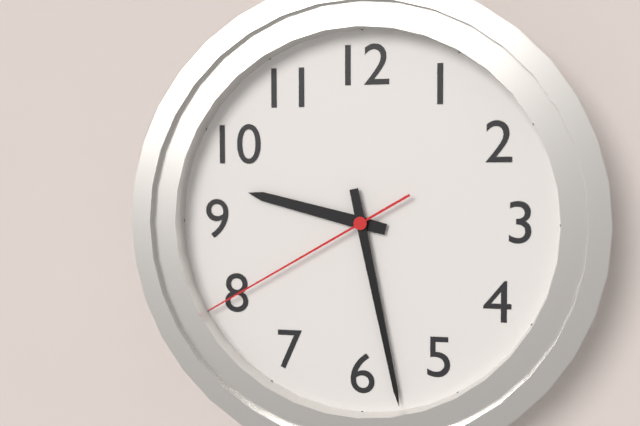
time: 9:28:40
